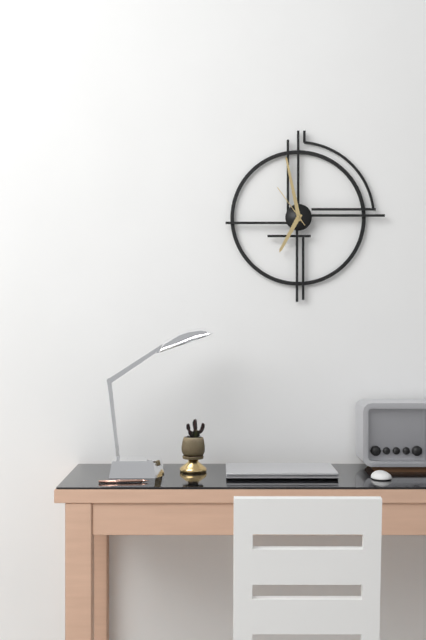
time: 6:58
